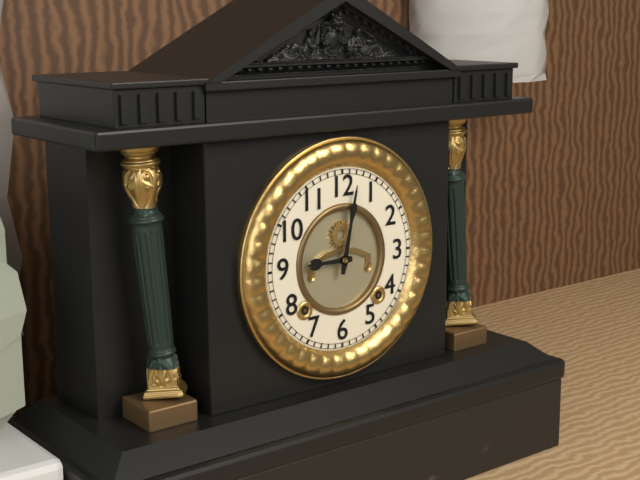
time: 9:02
